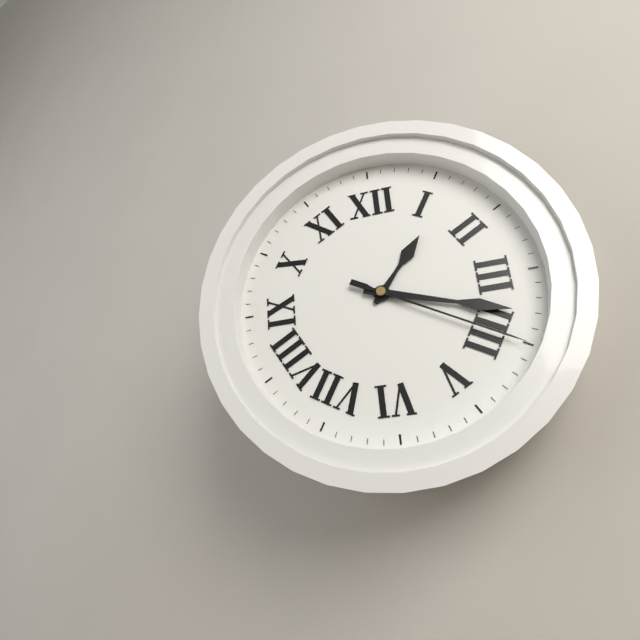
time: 1:18:20
